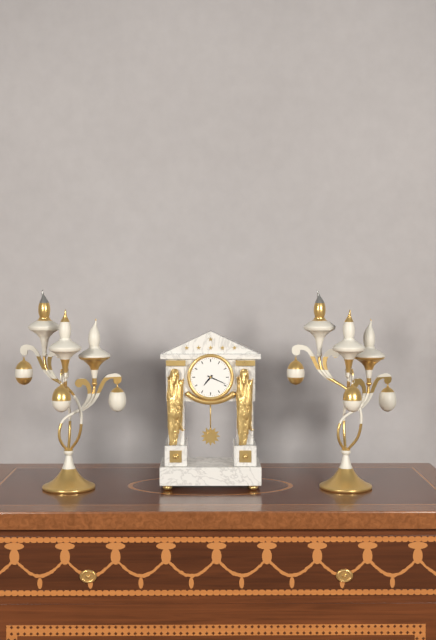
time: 7:19
